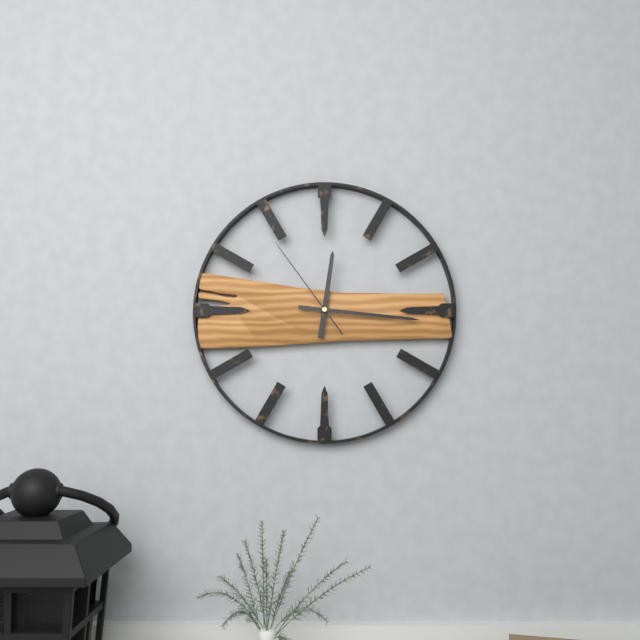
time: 12:16:54
